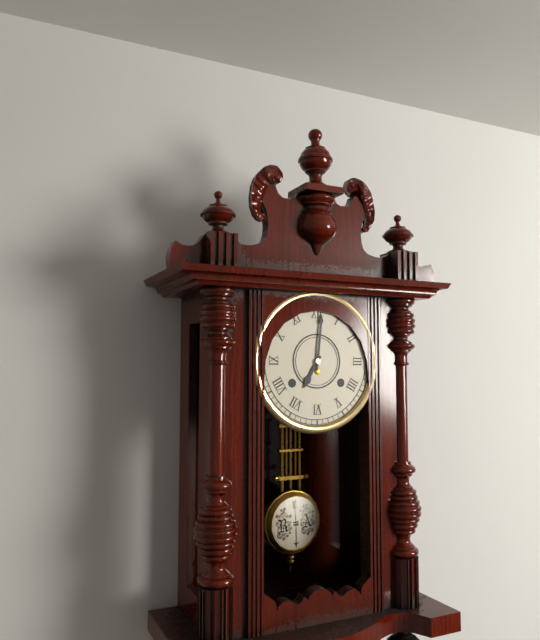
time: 7:01
